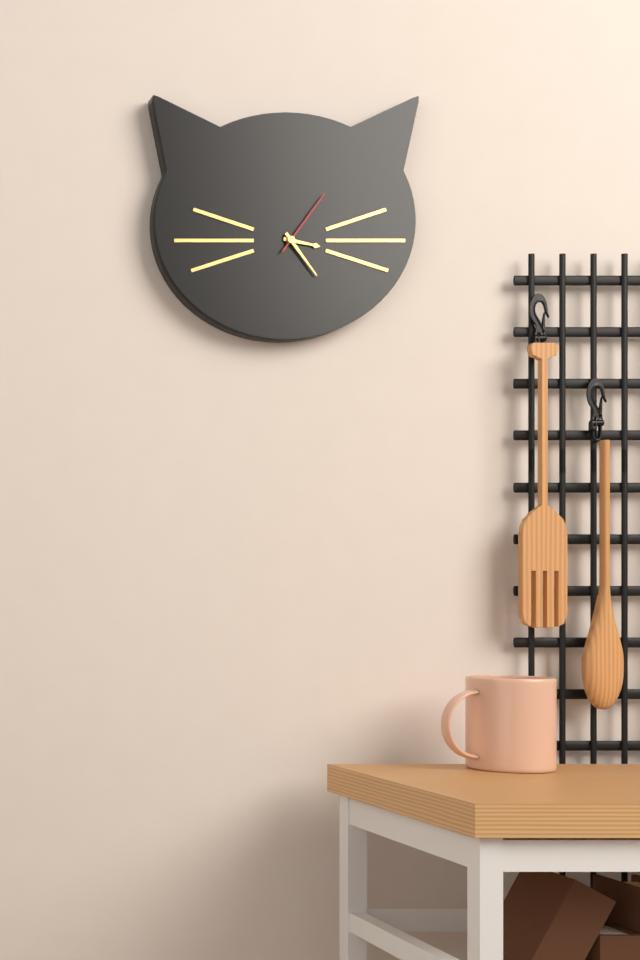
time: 3:24:06
